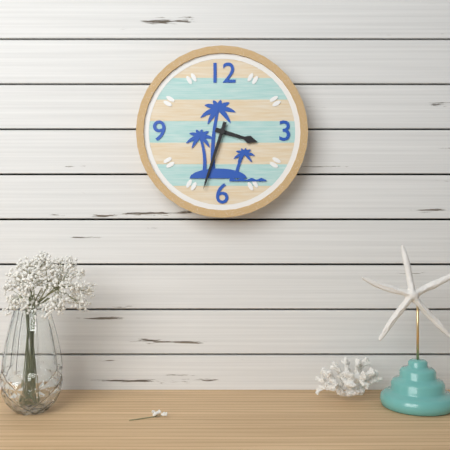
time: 3:33
